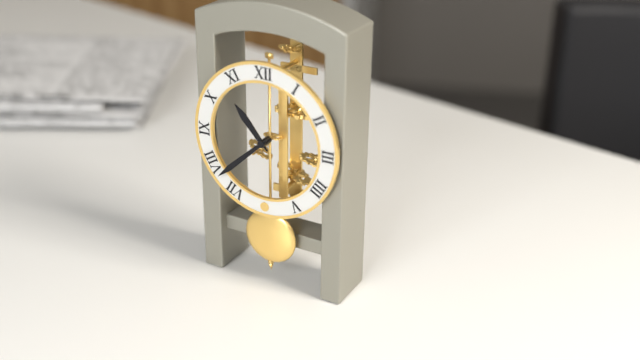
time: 10:38
